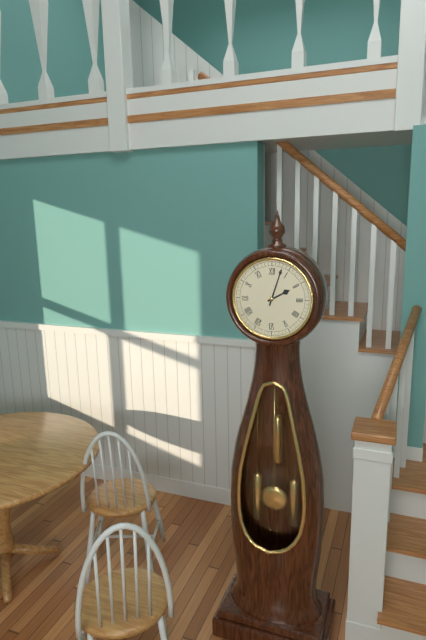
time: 2:03
